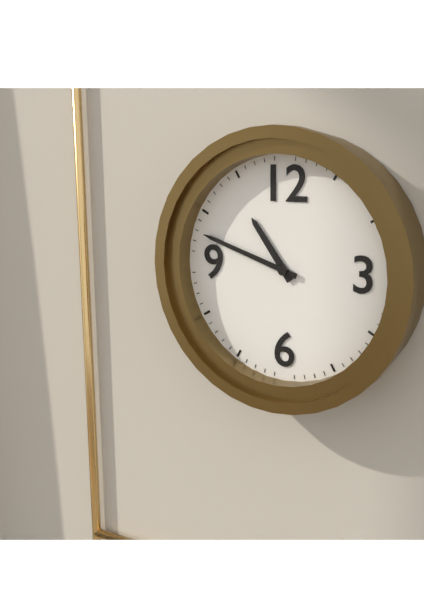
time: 10:48
